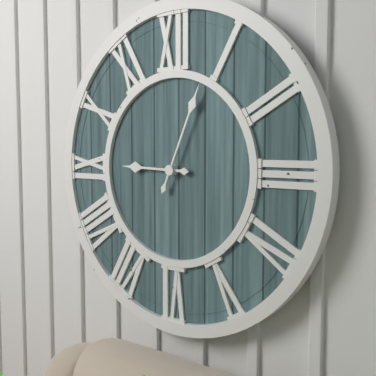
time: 9:04
